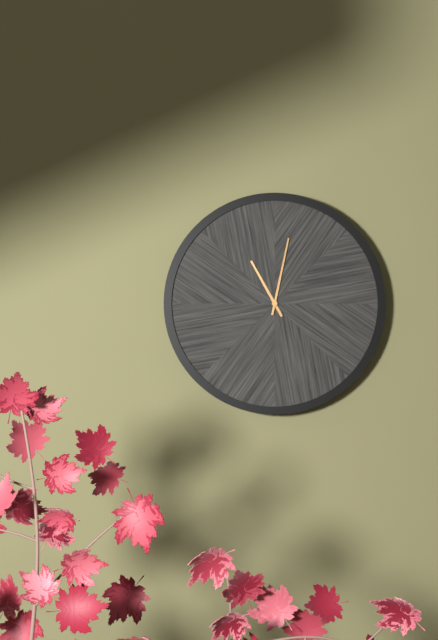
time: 11:02
